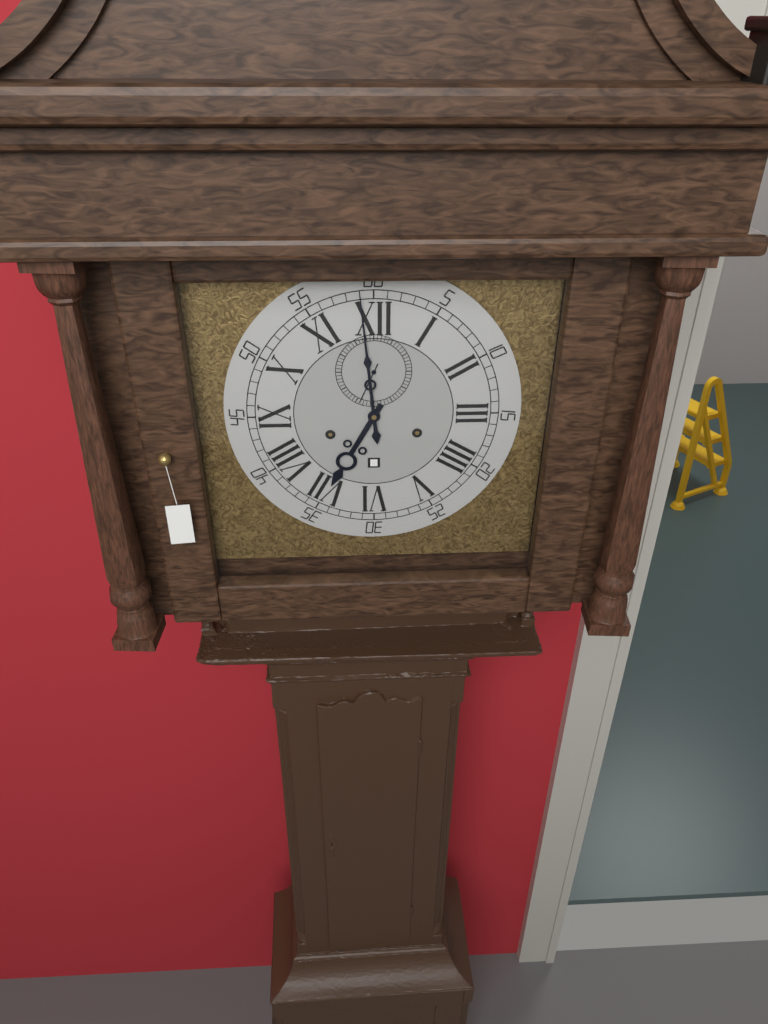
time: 6:59
